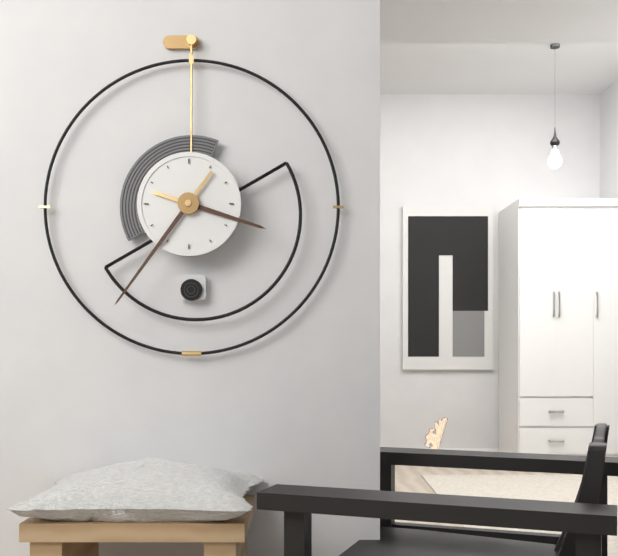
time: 3:36
